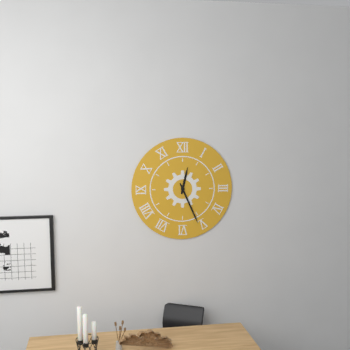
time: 12:26
